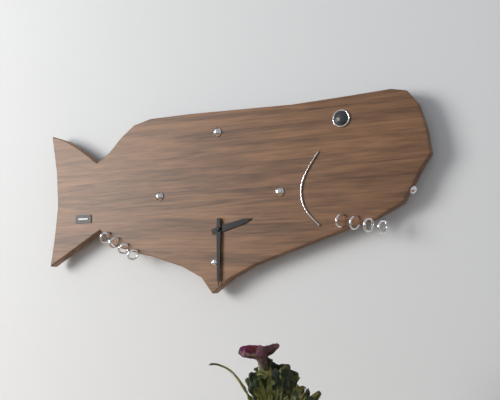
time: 2:30
